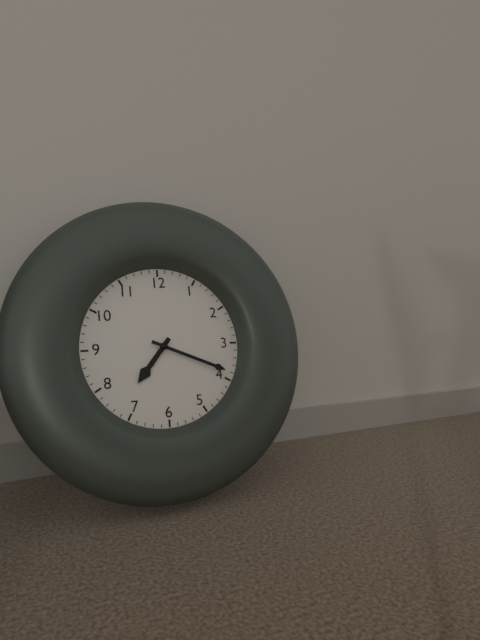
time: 7:19
